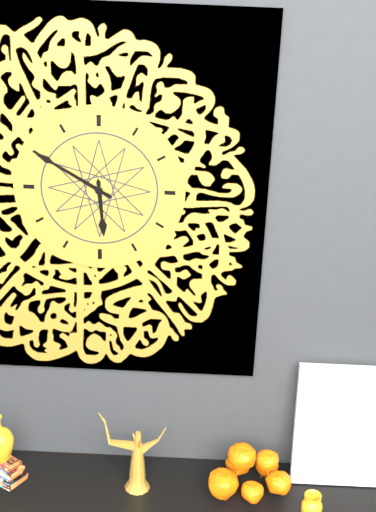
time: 5:50
